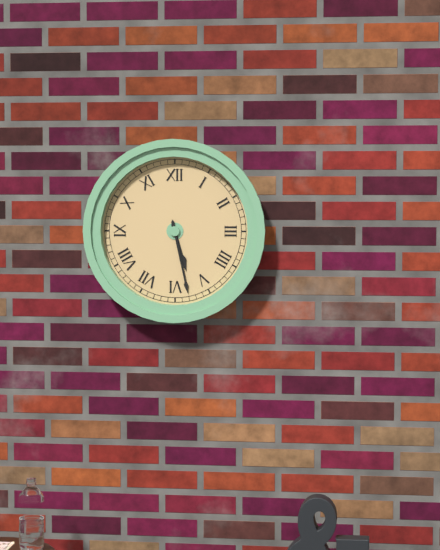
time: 5:28
